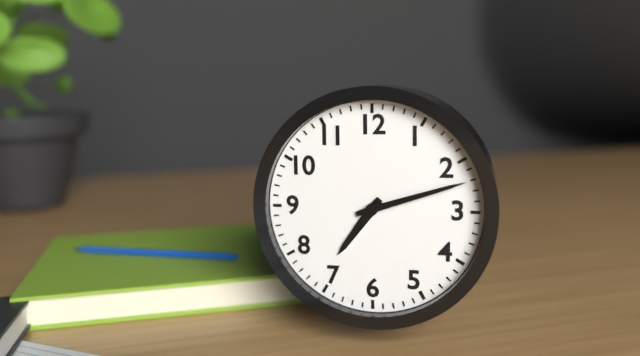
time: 7:12
